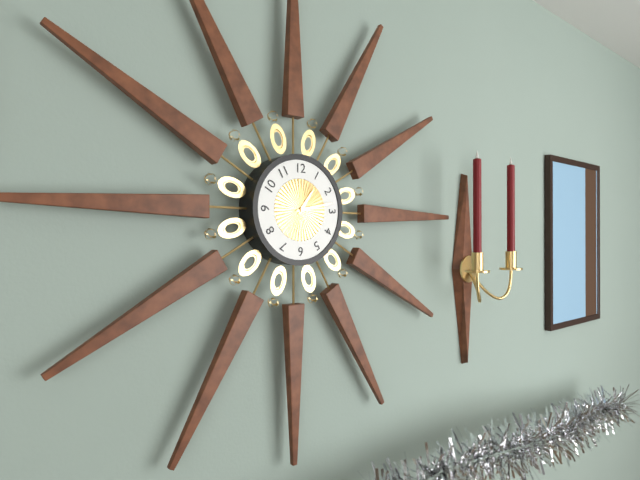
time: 1:13
